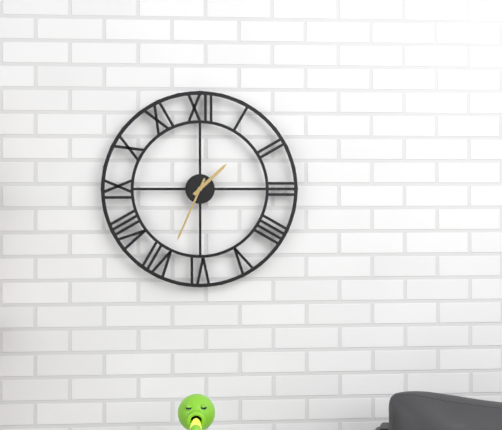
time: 1:34
